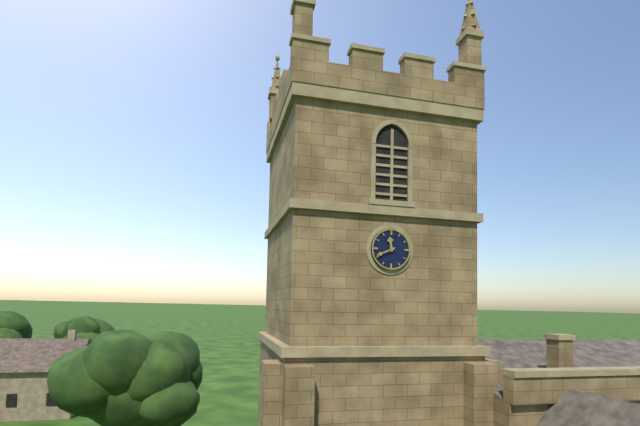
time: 11:41
